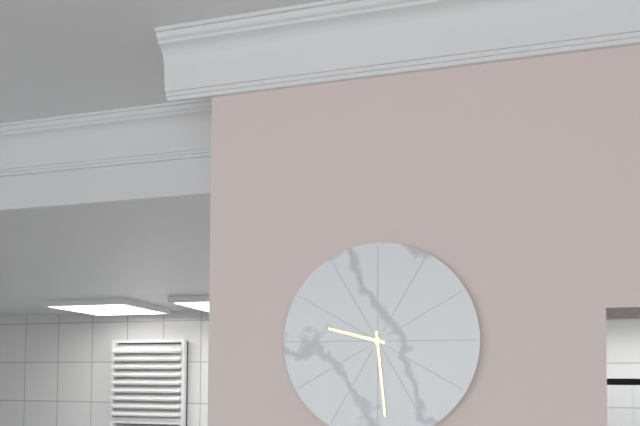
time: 9:29
